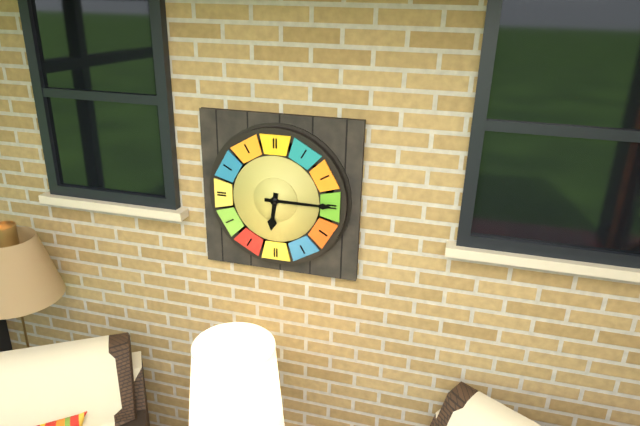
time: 6:15
